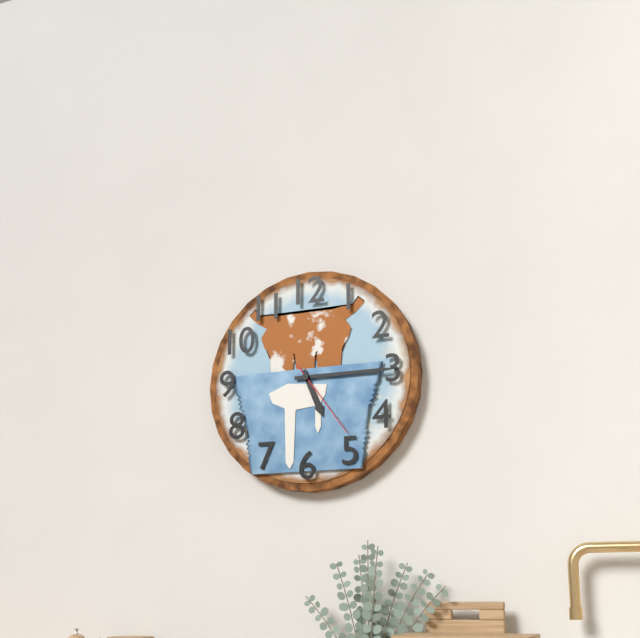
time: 5:15:24
